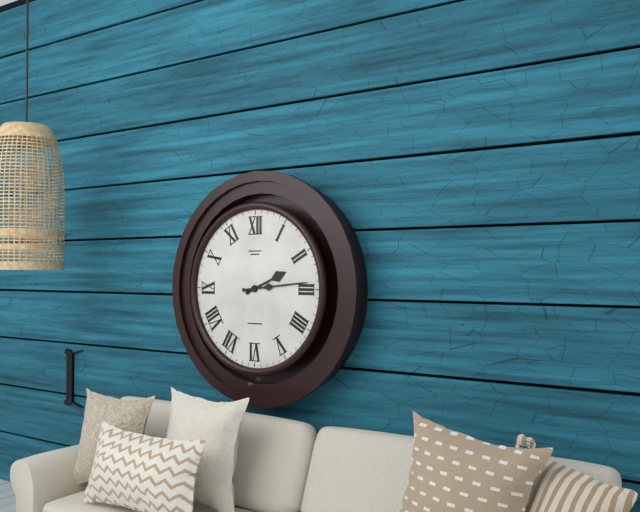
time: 2:14
